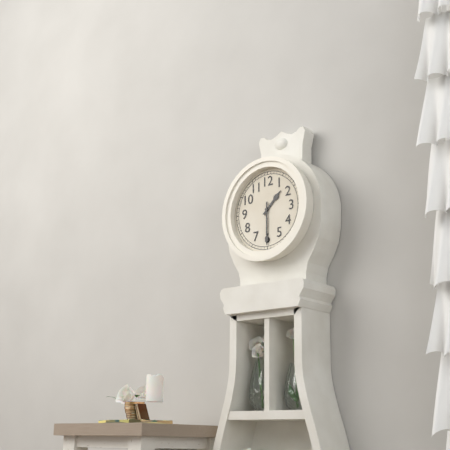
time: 1:30
